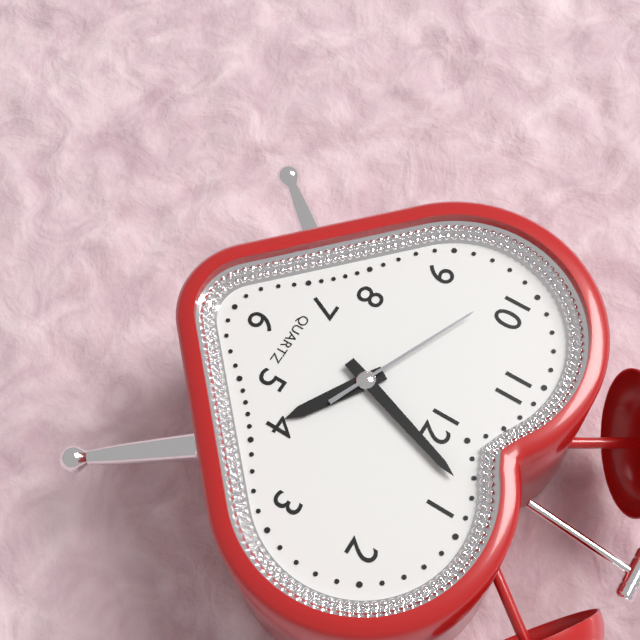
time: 4:03:49
